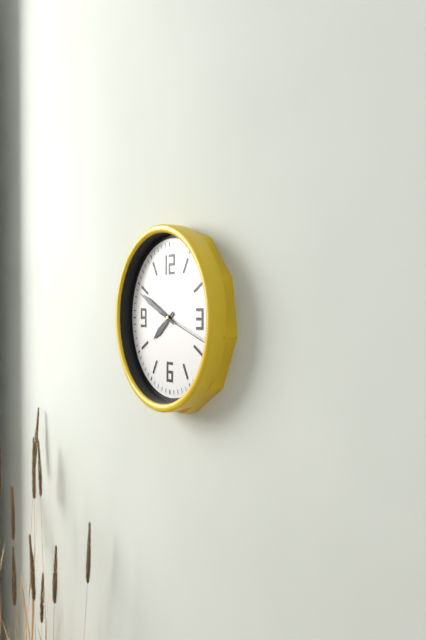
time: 7:49
